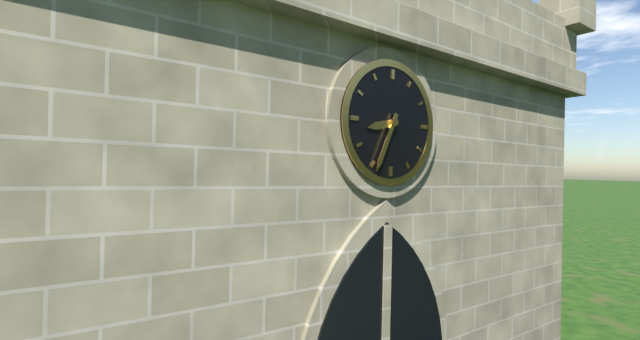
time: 8:34
